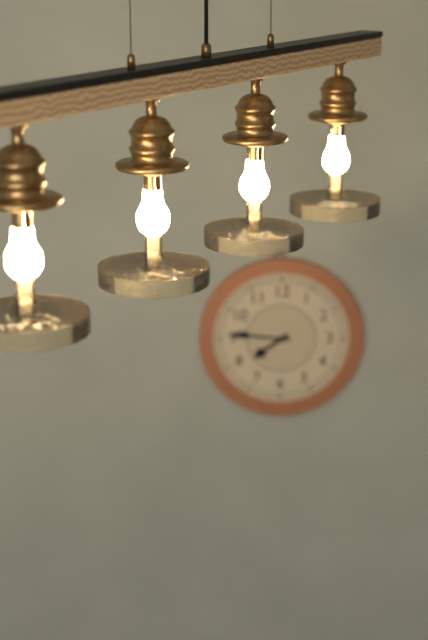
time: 7:46
